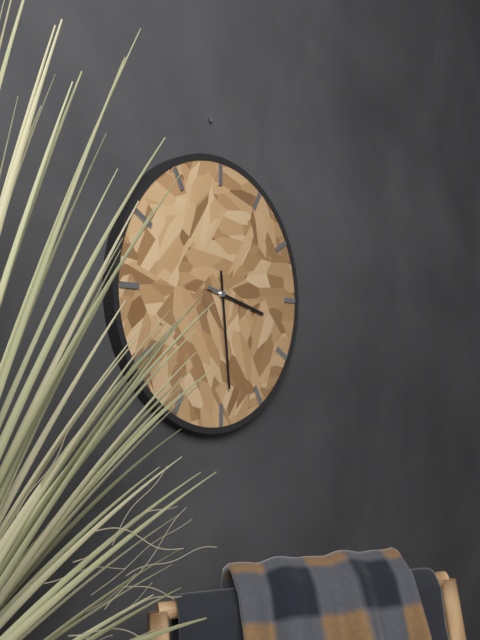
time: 3:29
